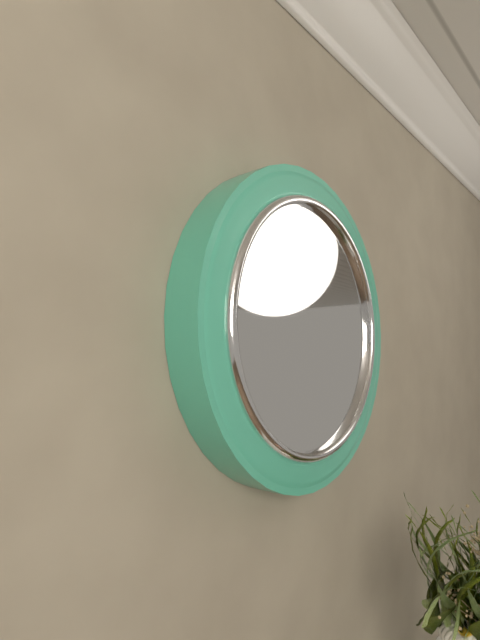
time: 11:04
